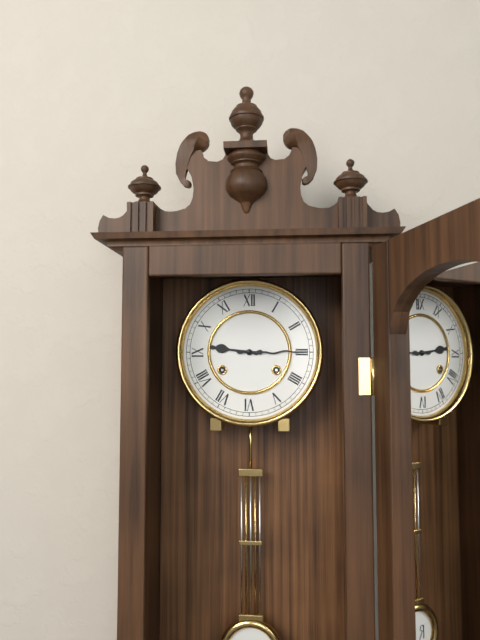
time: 9:15
